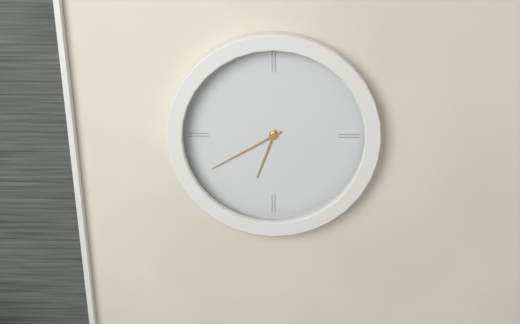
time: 6:40
